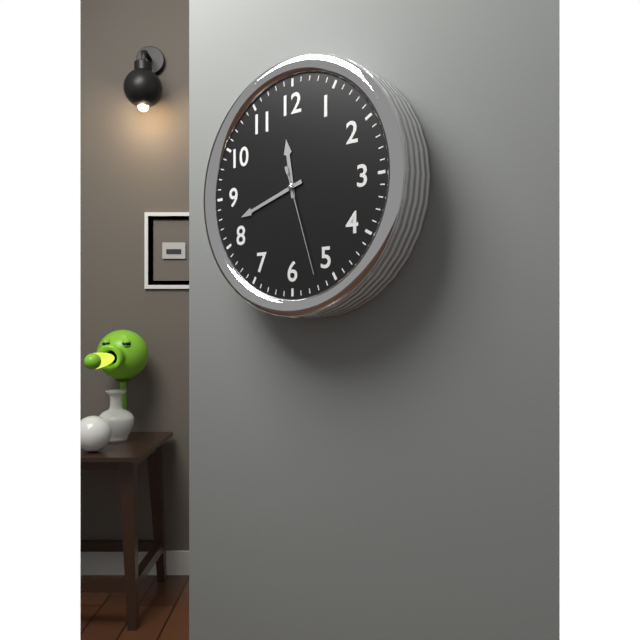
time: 11:42:27
